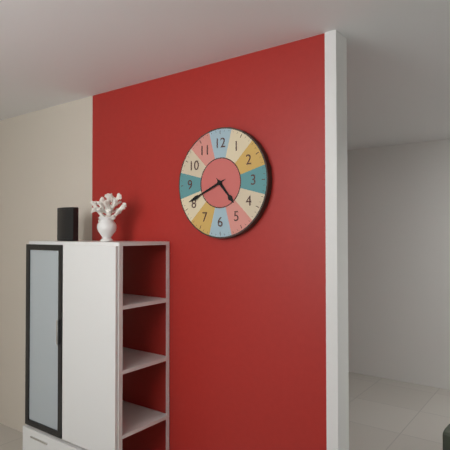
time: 4:41
